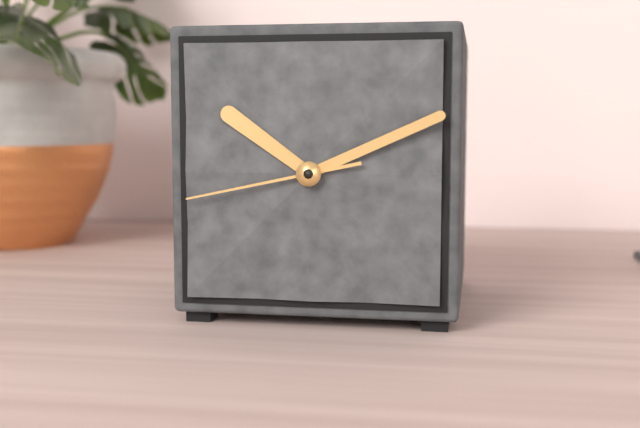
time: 10:11:43
